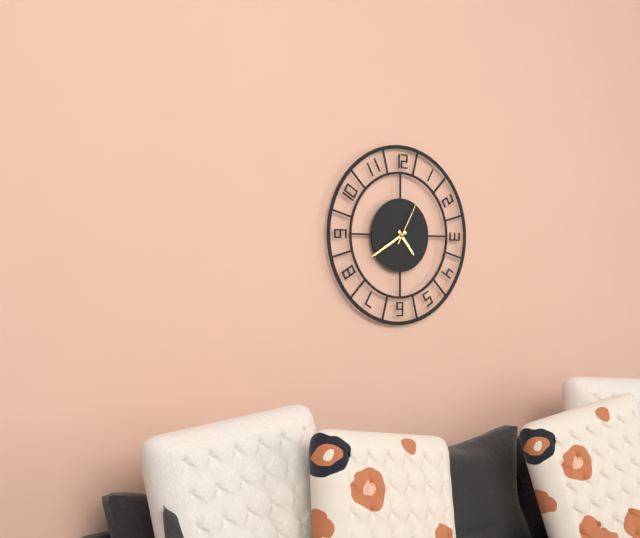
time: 4:40
